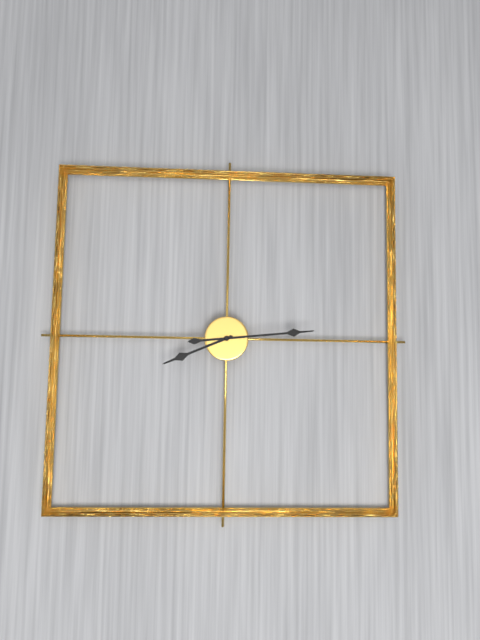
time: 8:14
